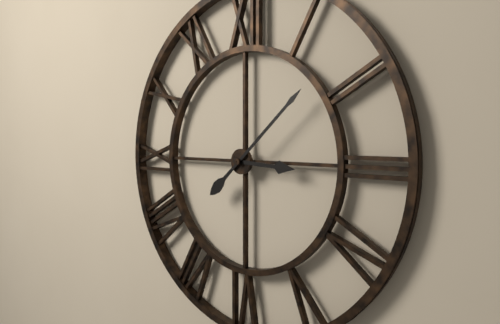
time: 3:08
